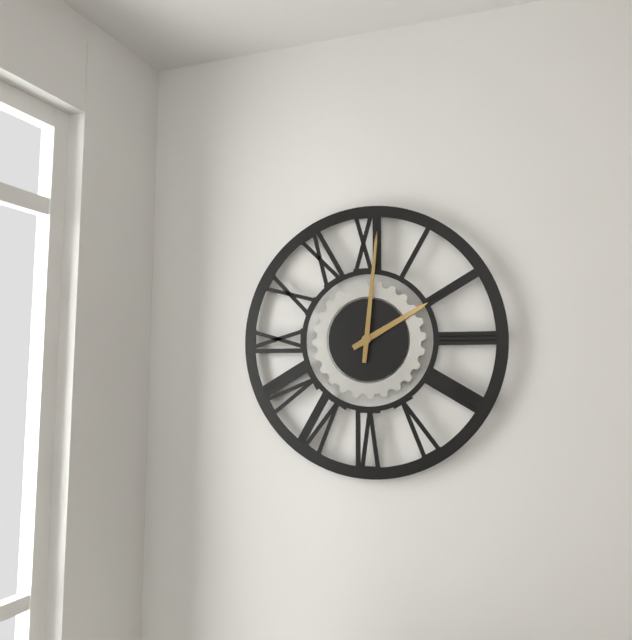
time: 2:01
